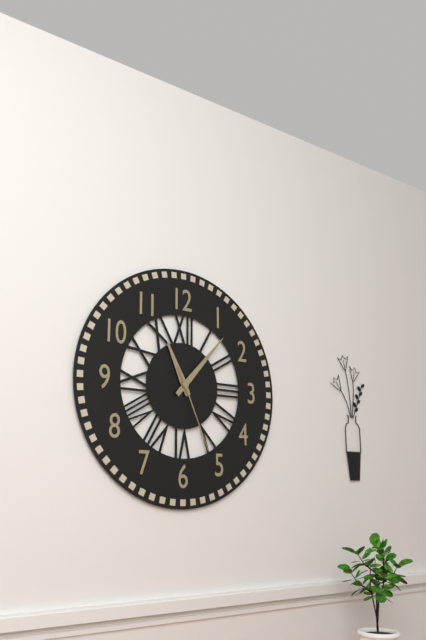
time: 11:07:26
